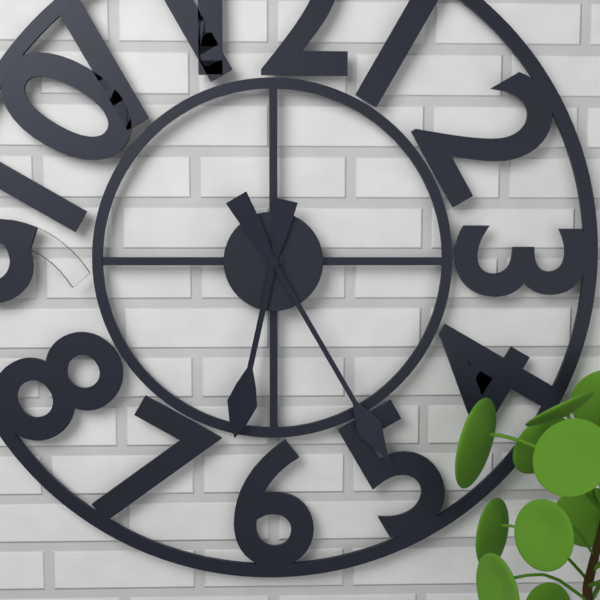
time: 6:25
